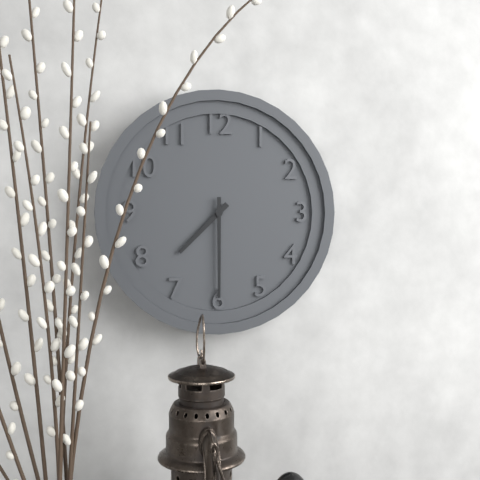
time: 7:30
